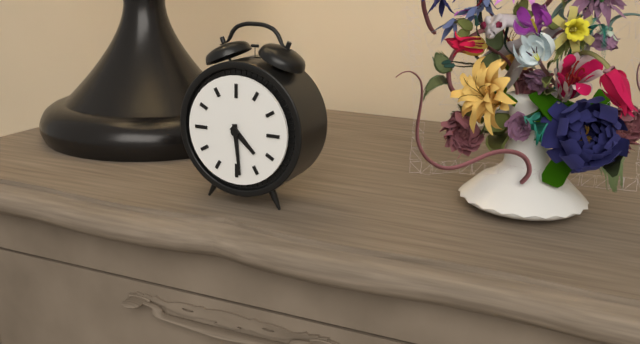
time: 4:29
